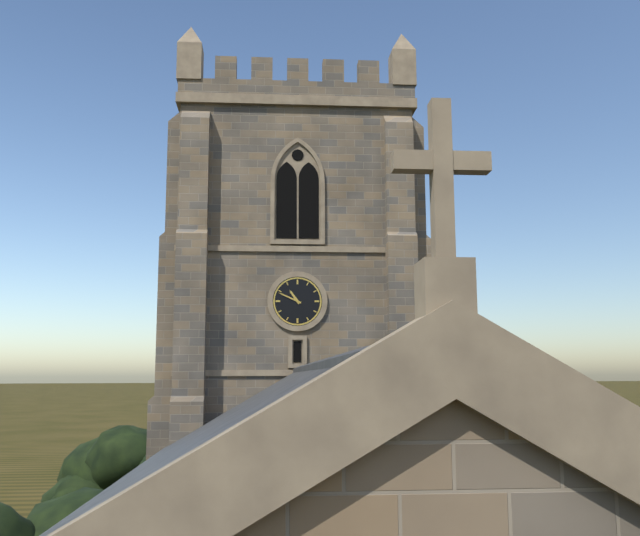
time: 10:49
